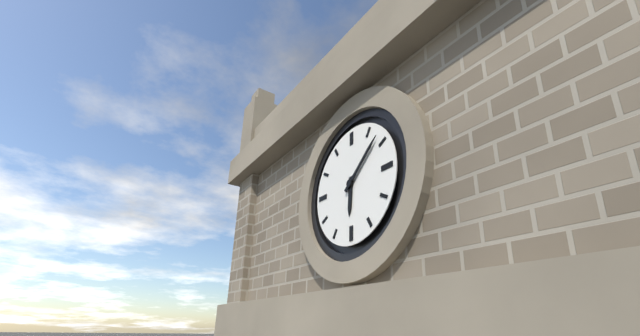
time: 6:08
